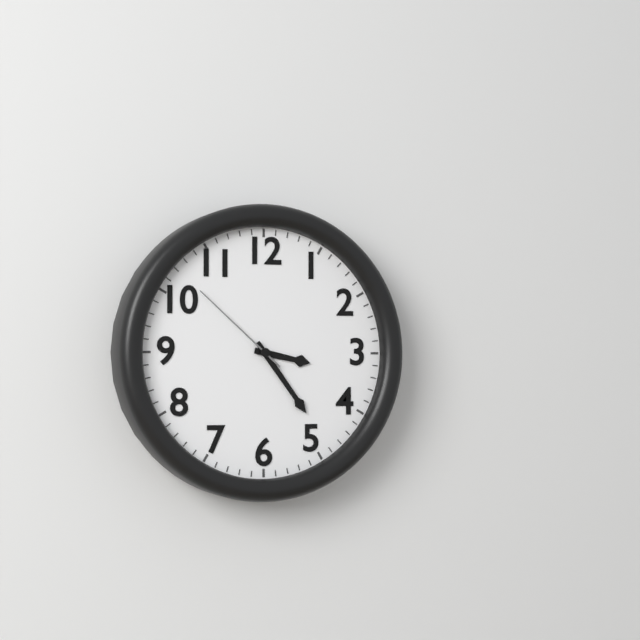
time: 3:24:52
